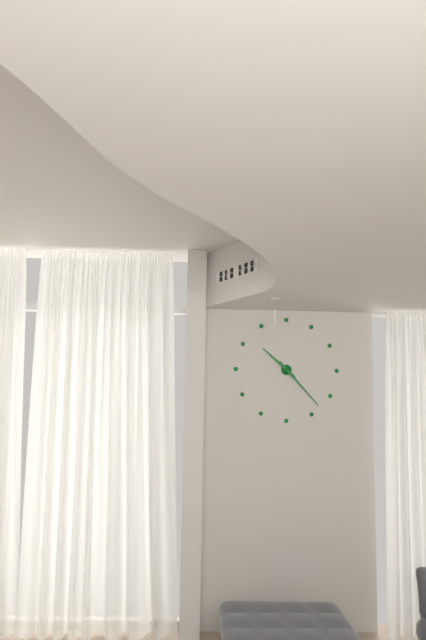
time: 10:23
